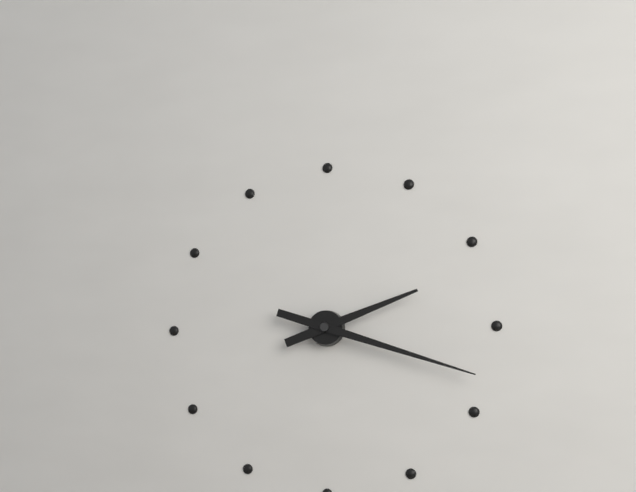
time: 2:18
